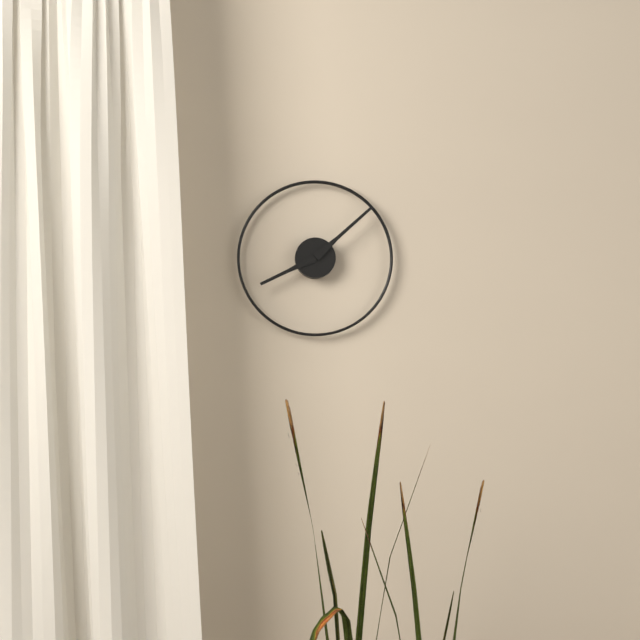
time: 8:08
